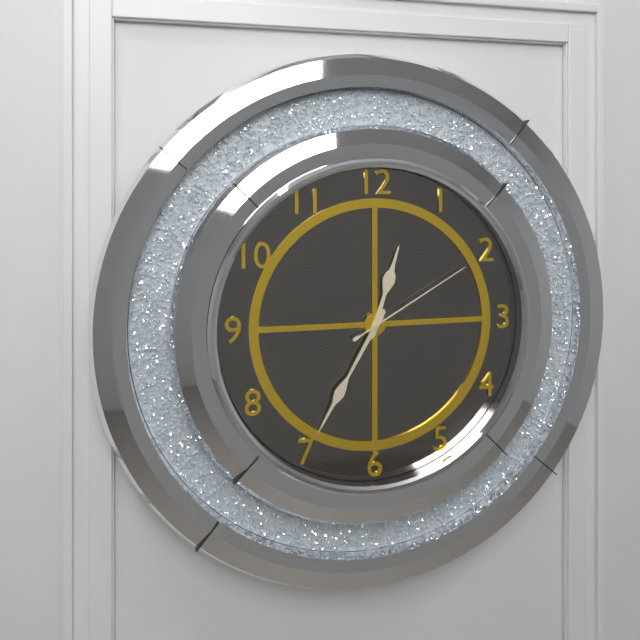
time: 12:35:10
